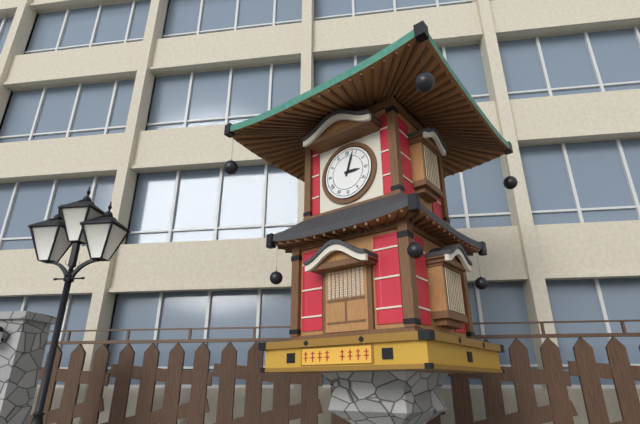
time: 3:03
